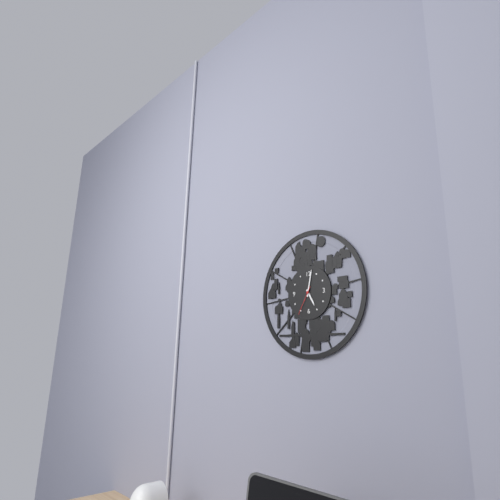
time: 5:02
